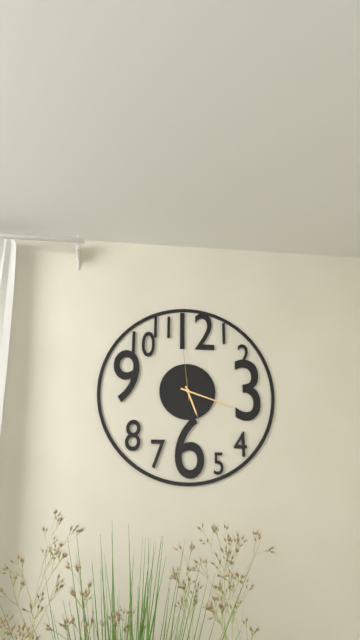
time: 5:18:59
